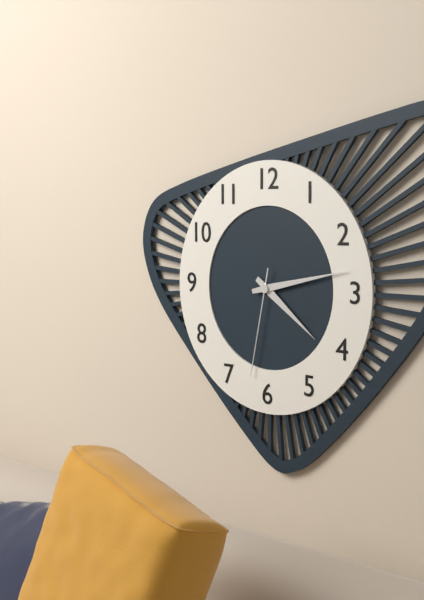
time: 4:13:32
